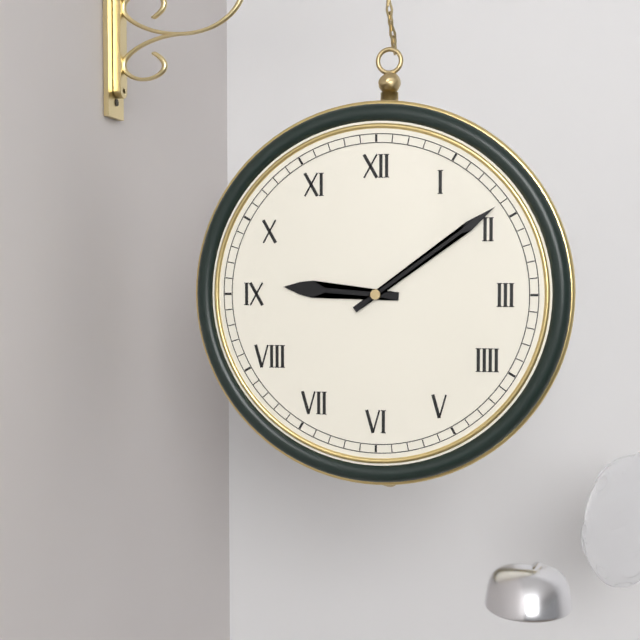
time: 9:09
